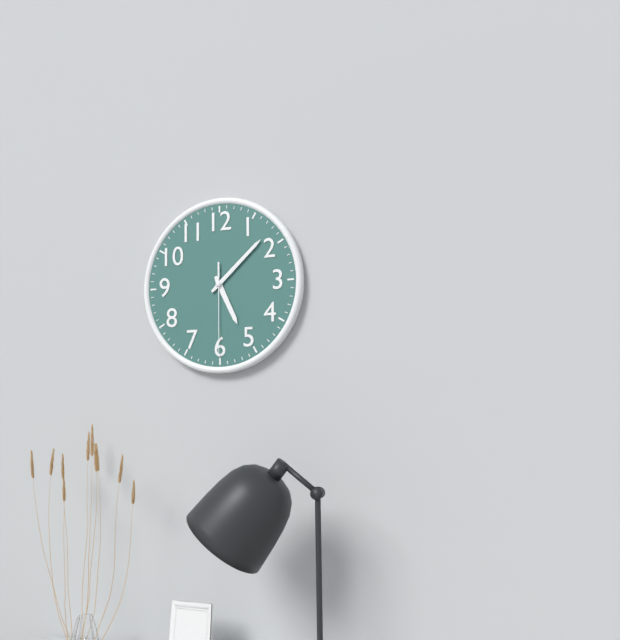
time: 5:08:30
